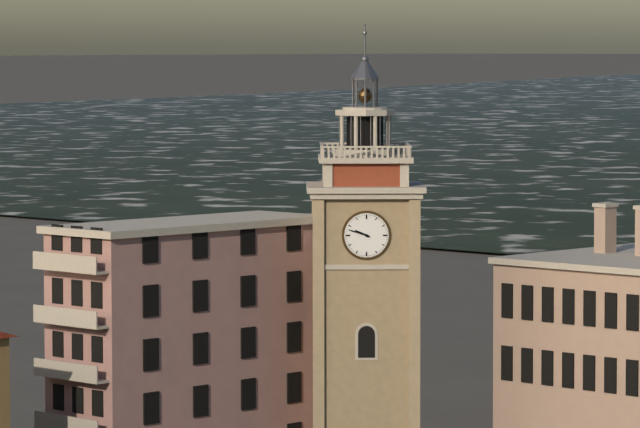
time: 9:48
